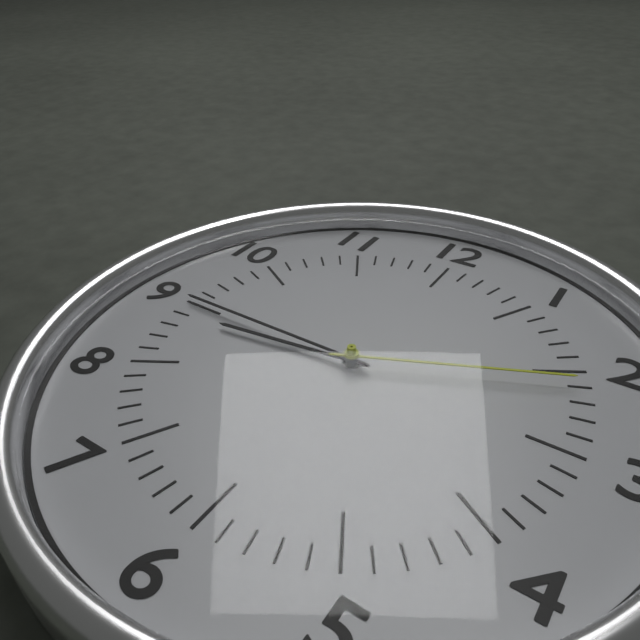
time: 8:45:11
